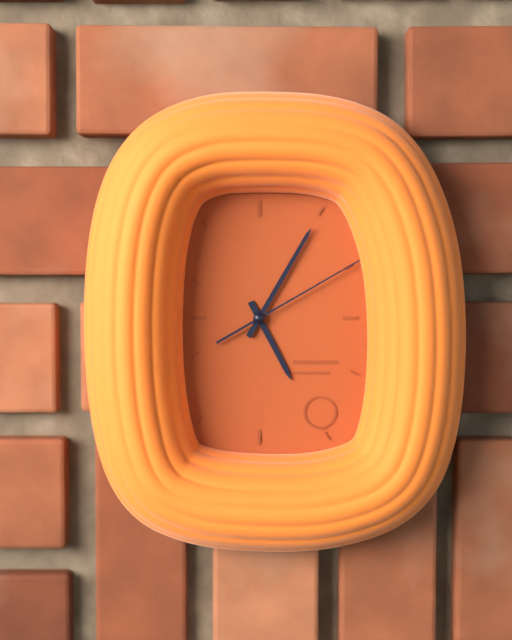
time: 5:05:10
